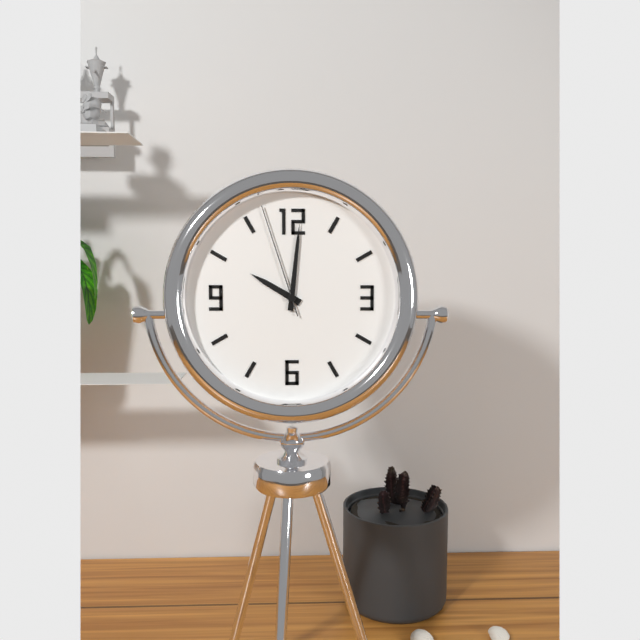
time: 10:01:57
